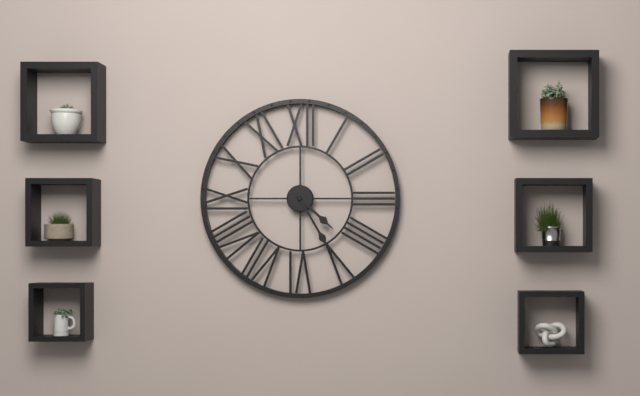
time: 4:25
